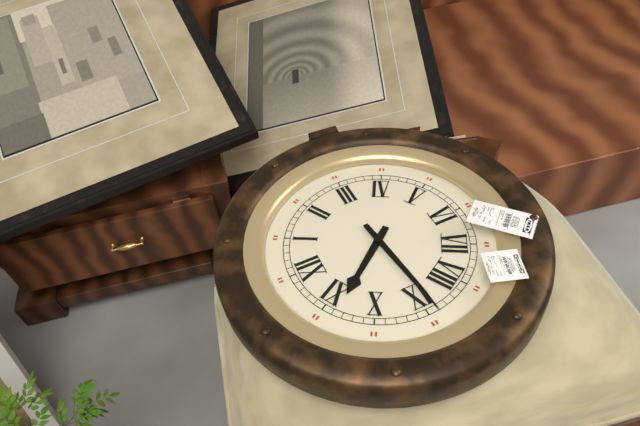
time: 10:44
